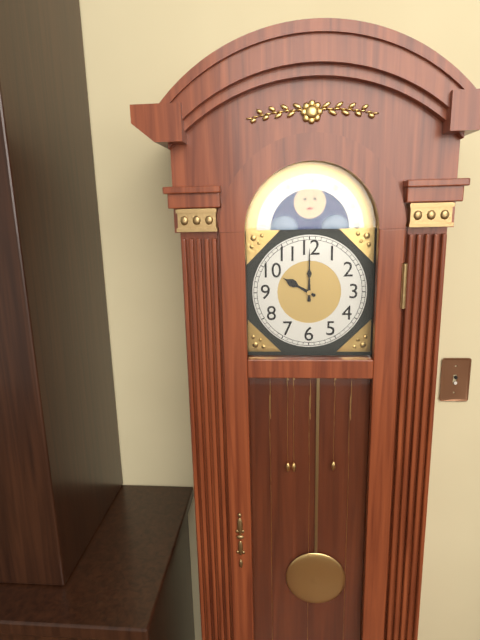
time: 10:00
